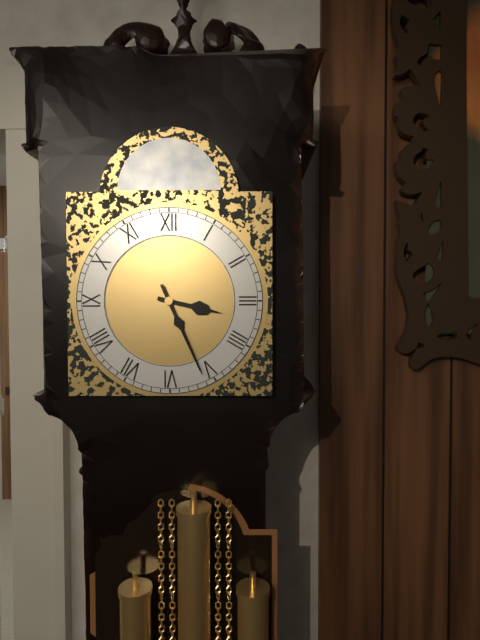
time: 3:26
